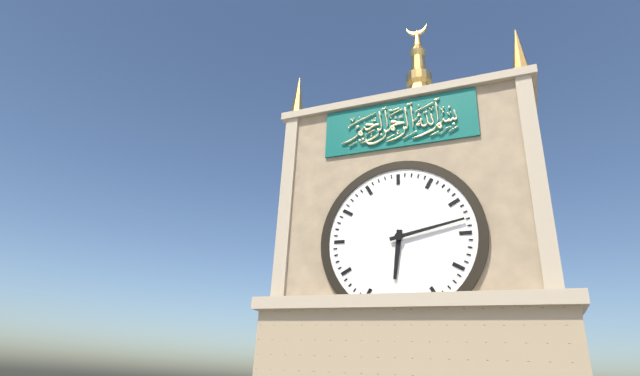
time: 6:13
